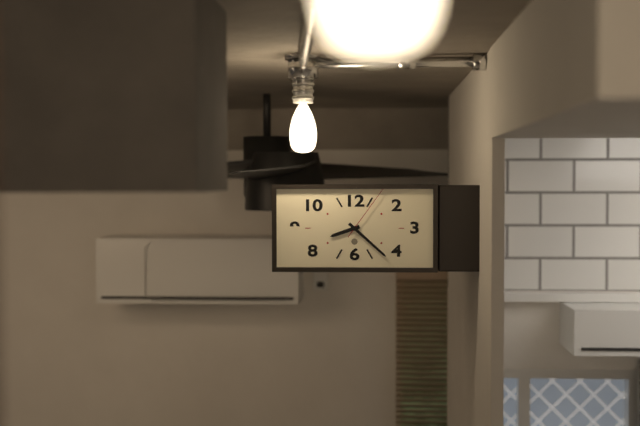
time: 8:22:06
